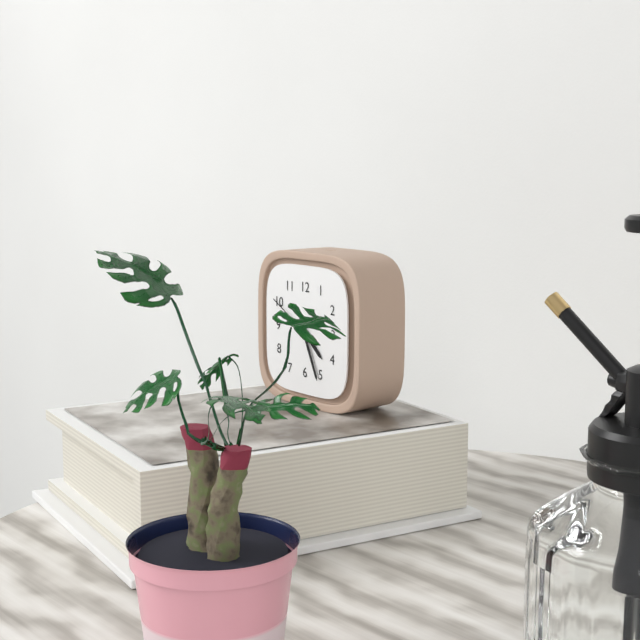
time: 4:26:50
